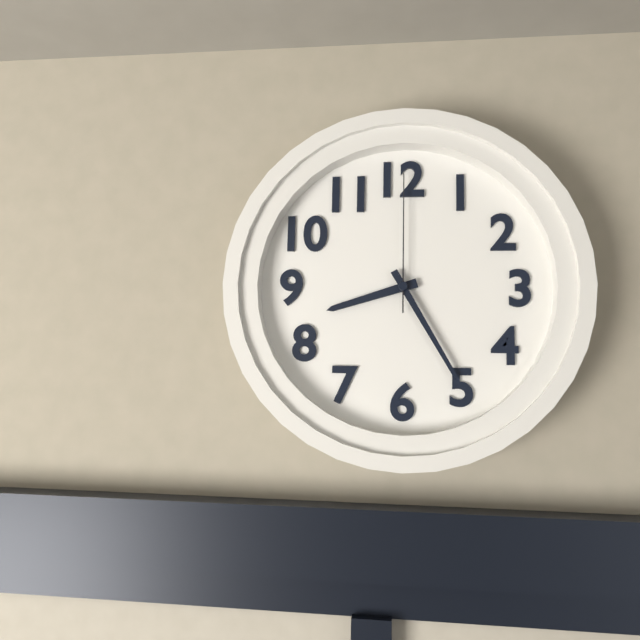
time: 8:25:00
